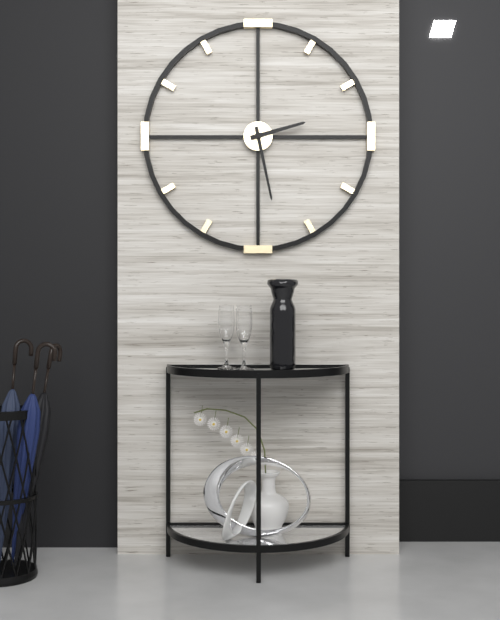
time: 2:28
